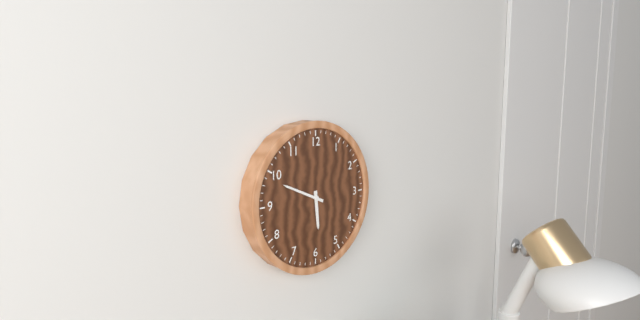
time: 5:49
